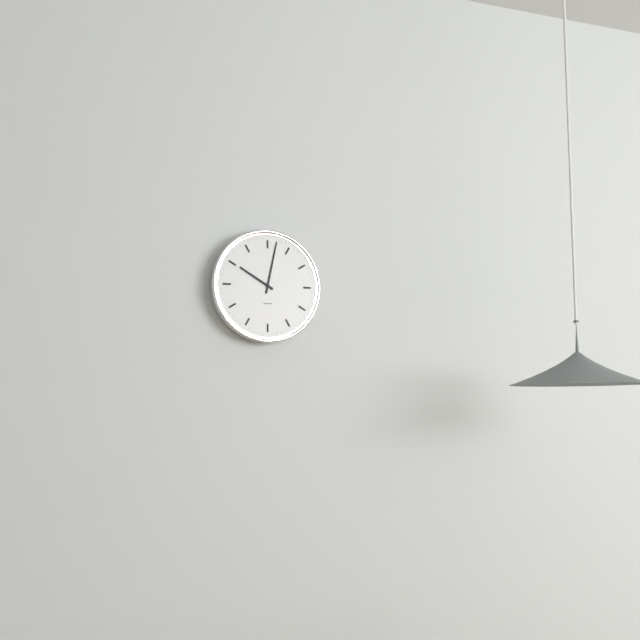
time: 10:02
